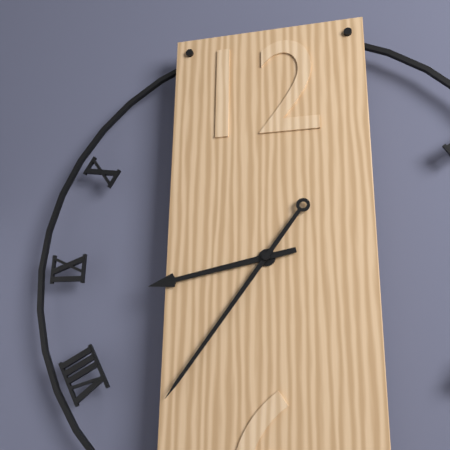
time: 8:36
